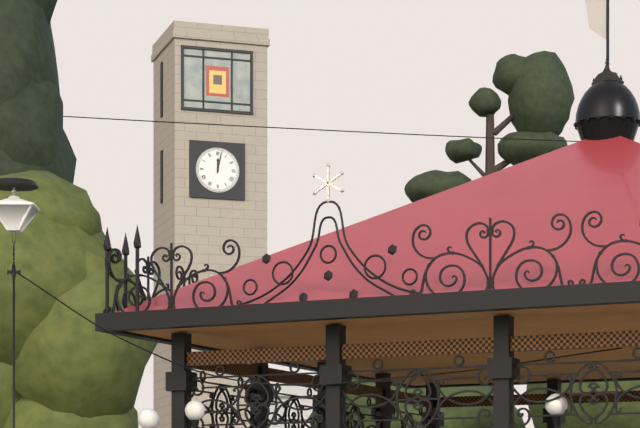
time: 12:02
